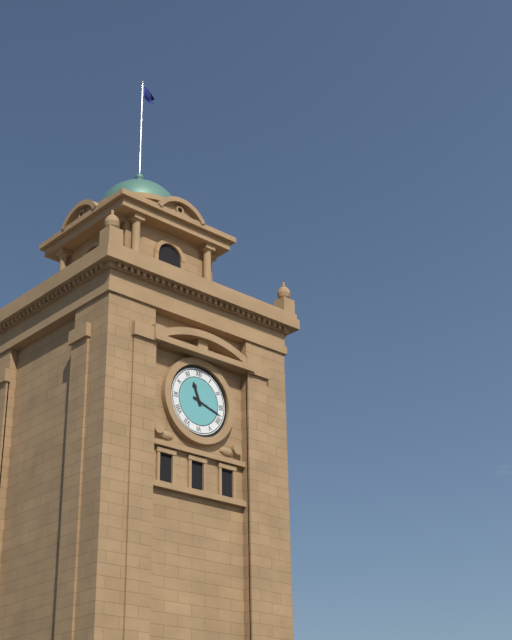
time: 11:18
